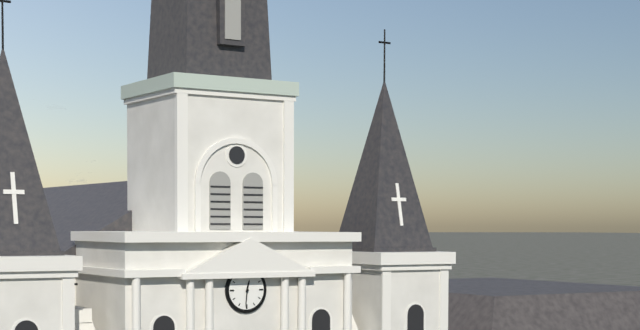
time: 12:31
